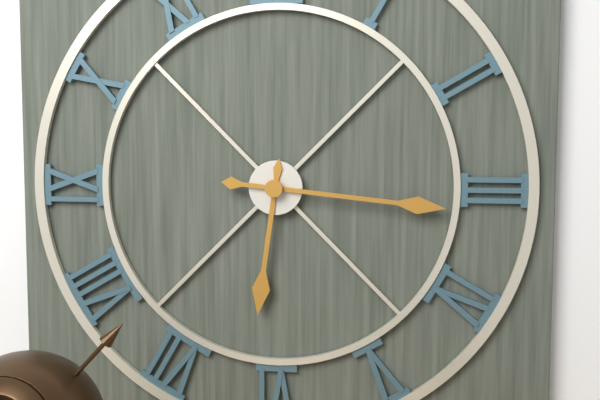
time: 6:16
